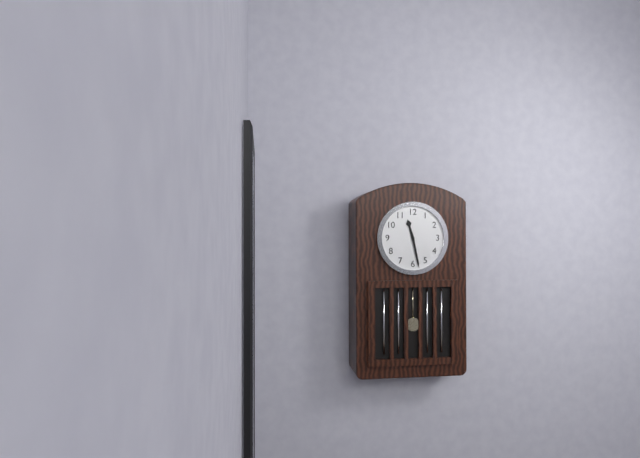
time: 11:28
